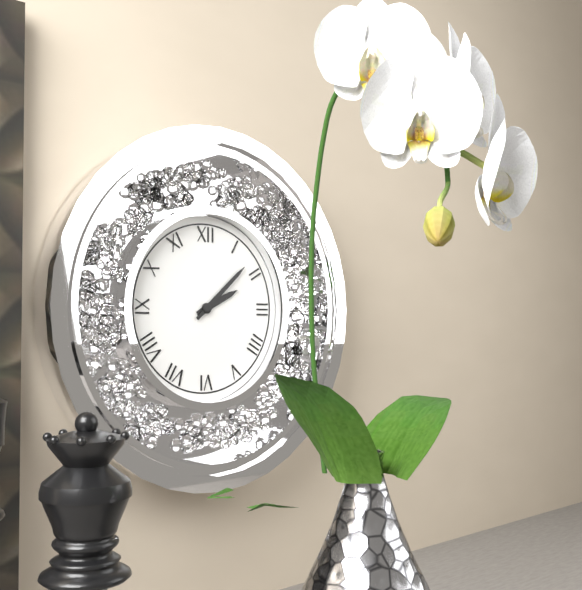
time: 2:08
